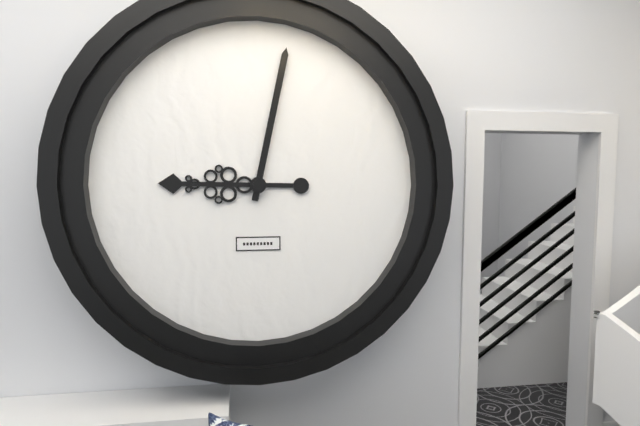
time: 9:02
